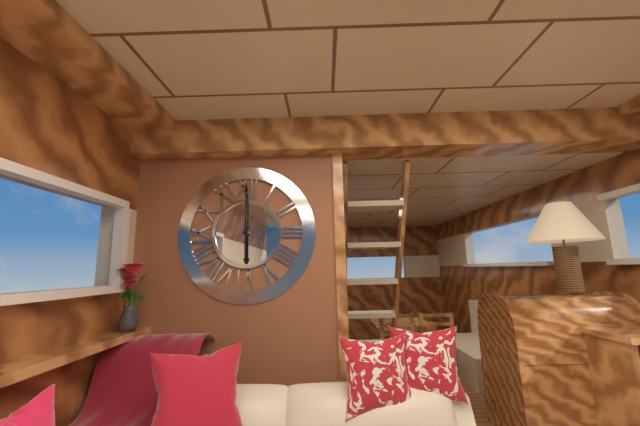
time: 6:00
